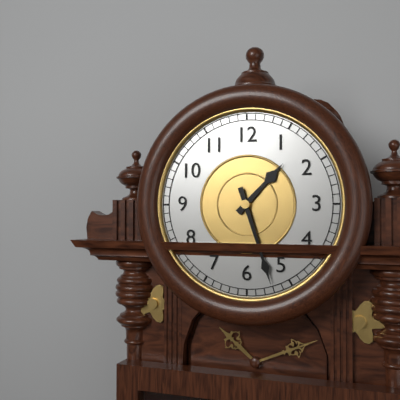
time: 1:27
